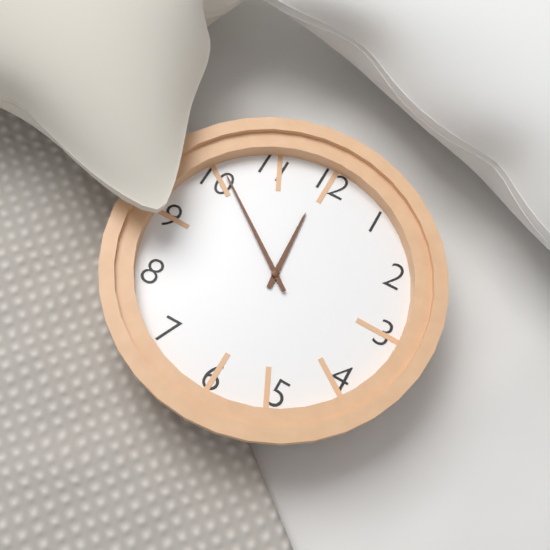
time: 11:51
